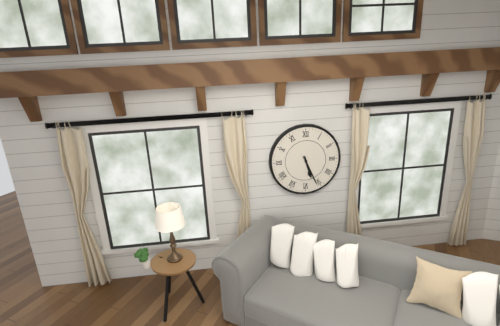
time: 5:26
